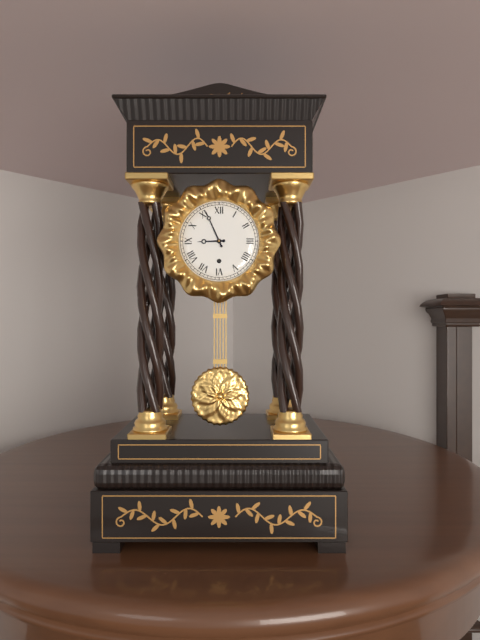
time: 8:56
